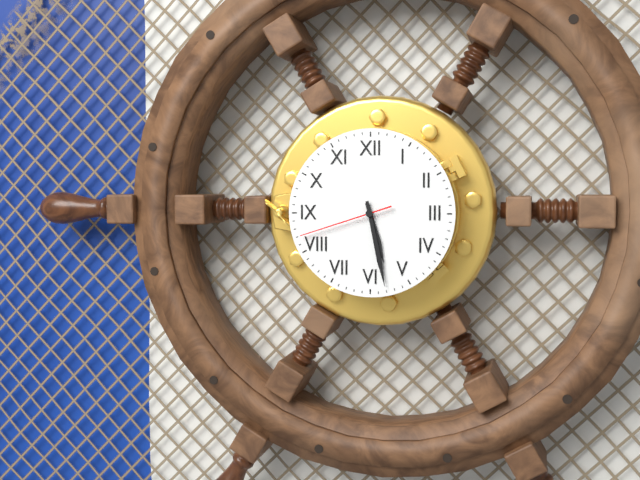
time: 5:28:42
